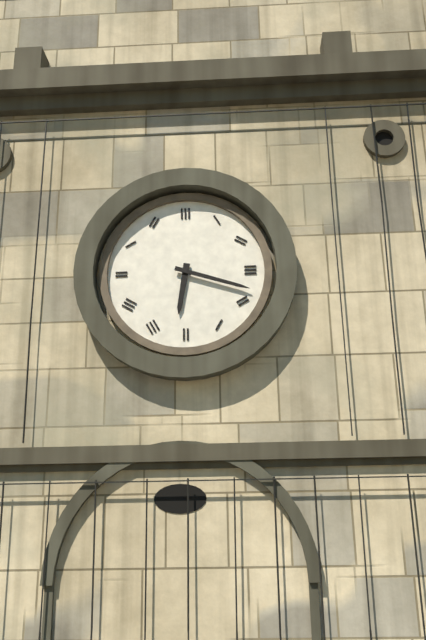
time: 6:18
